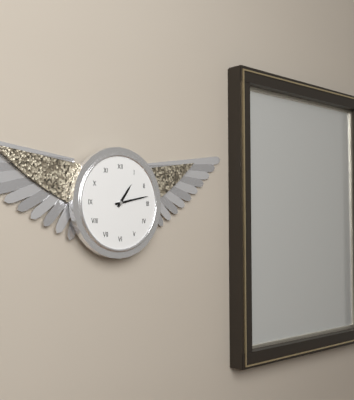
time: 1:13
